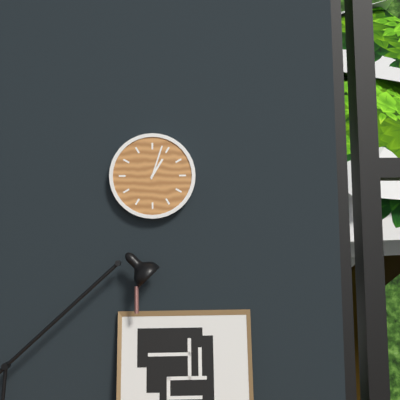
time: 1:03
